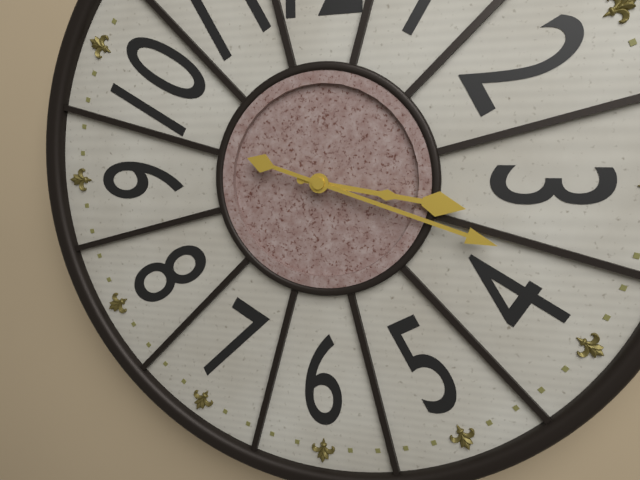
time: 3:18
